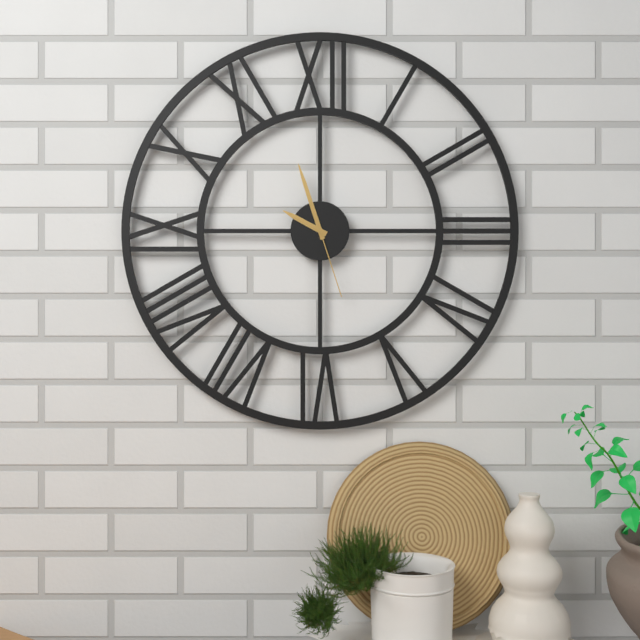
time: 9:57:27
